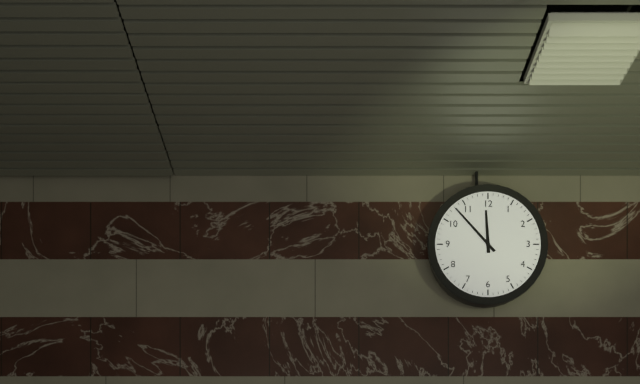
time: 11:53
